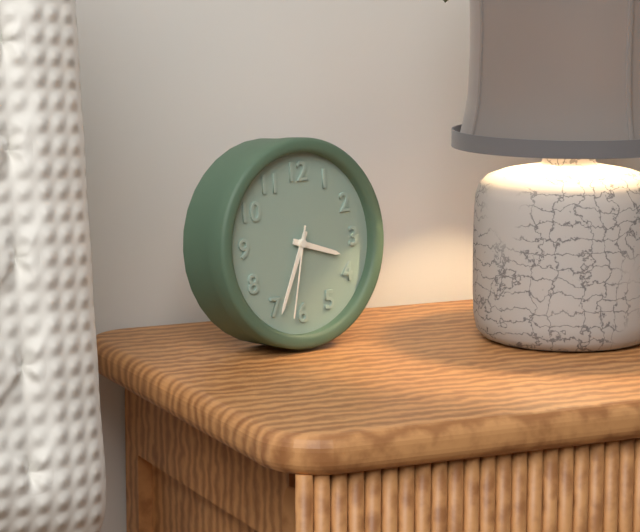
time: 3:34:32
